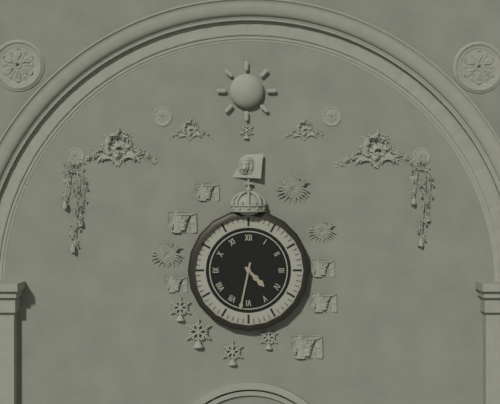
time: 4:32
